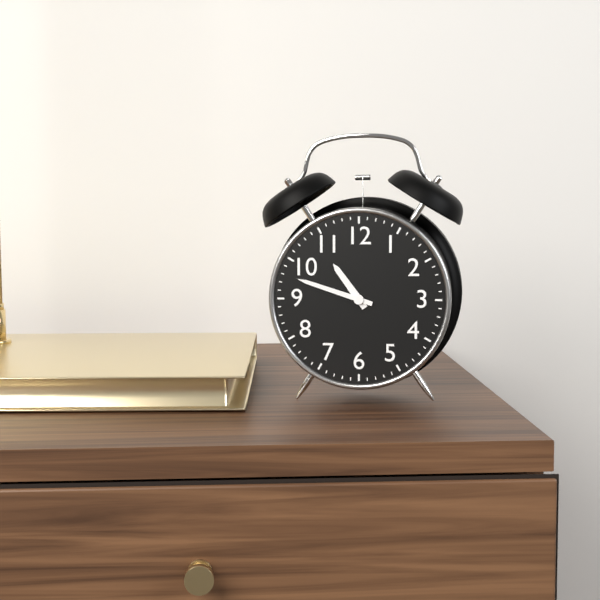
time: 10:48
